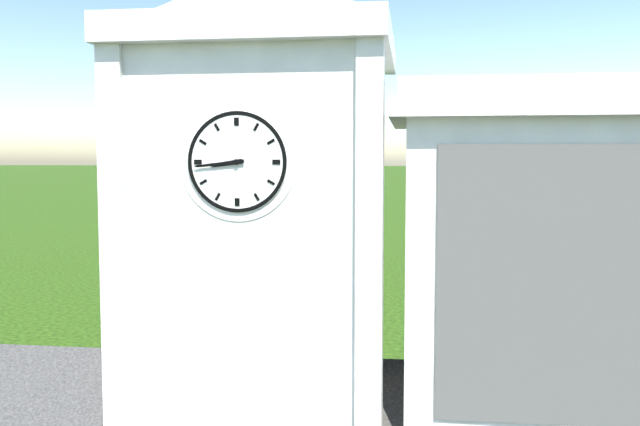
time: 8:44
